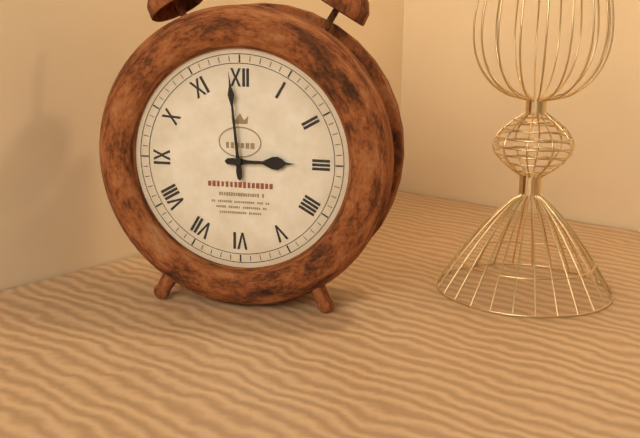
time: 2:59
